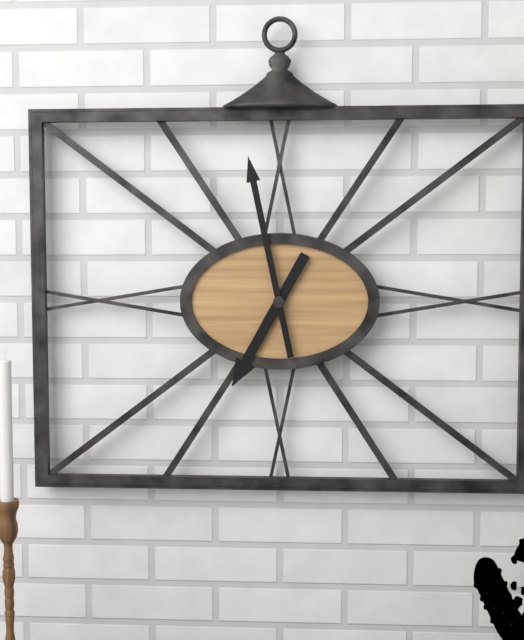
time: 6:58
